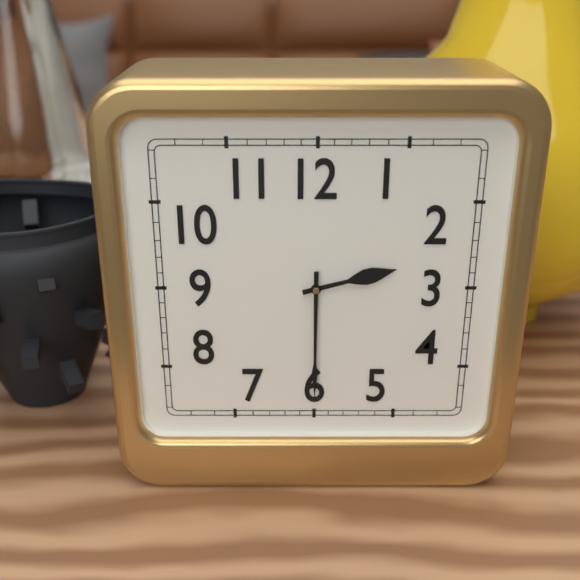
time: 2:30
